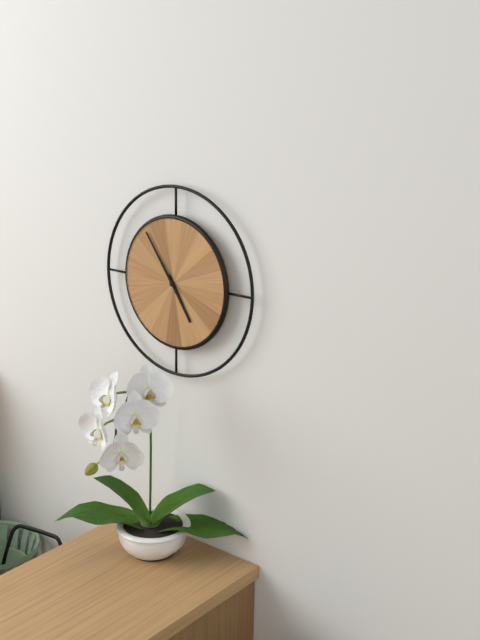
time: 4:54
